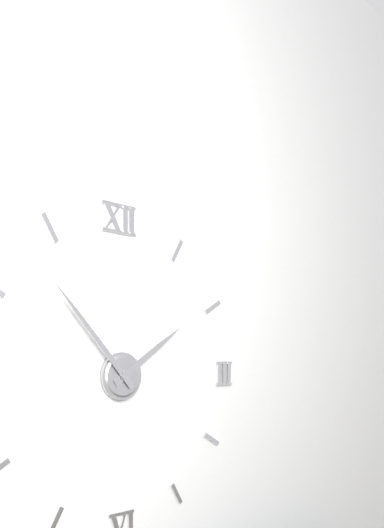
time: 1:53
